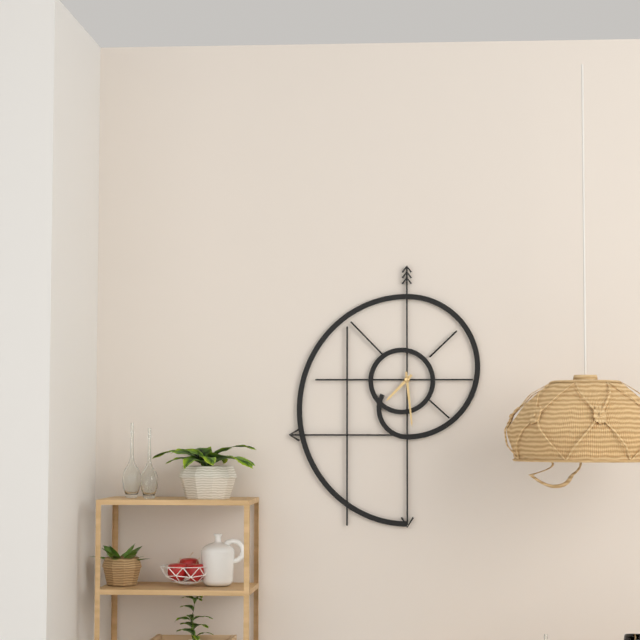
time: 7:29
